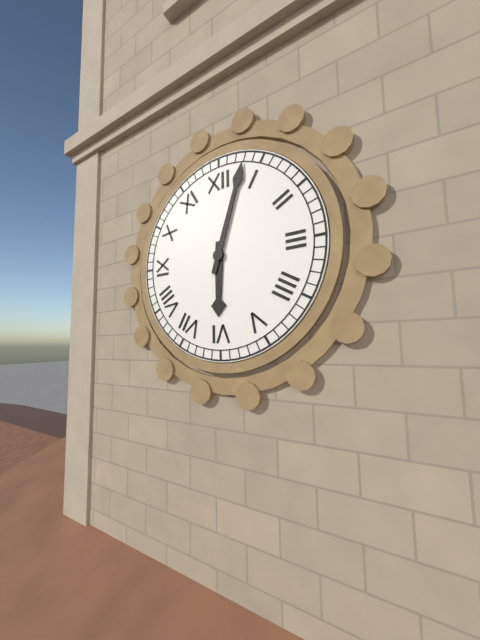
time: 6:03
